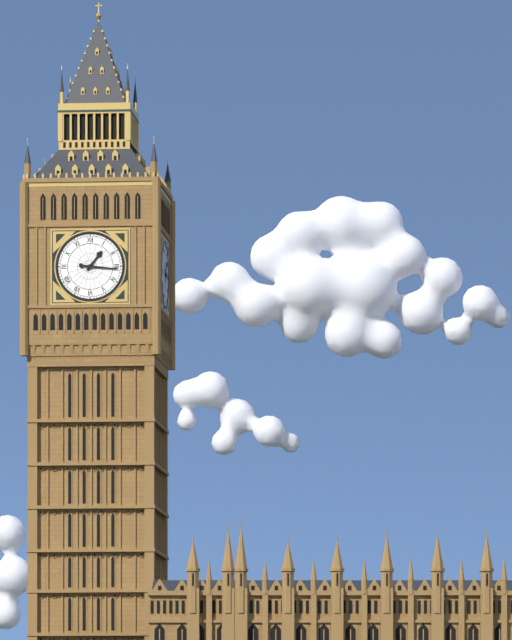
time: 1:16
